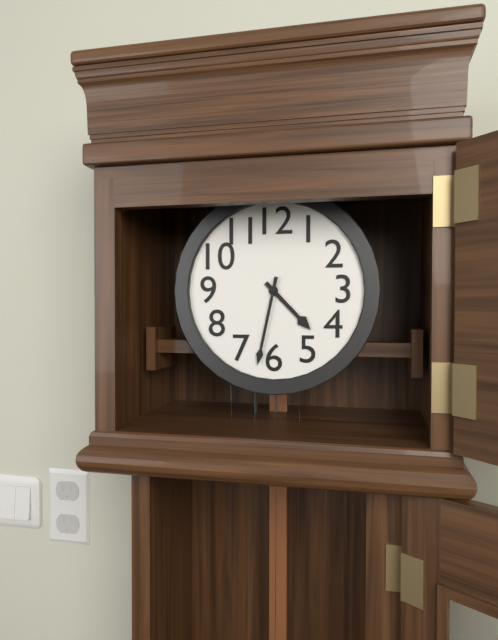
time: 4:32
